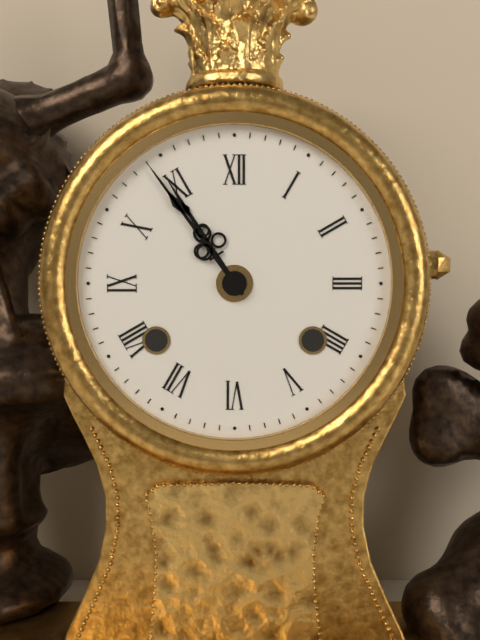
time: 10:54
